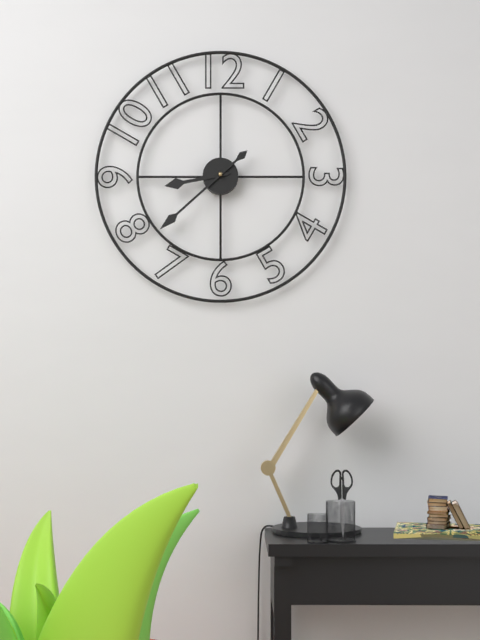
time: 8:38
